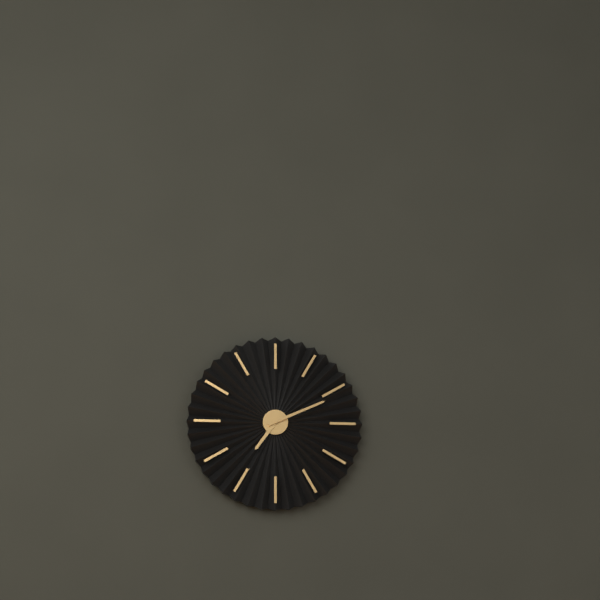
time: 7:11
